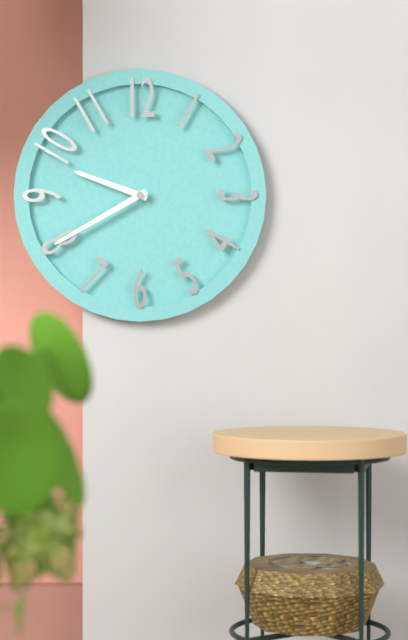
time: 9:40
